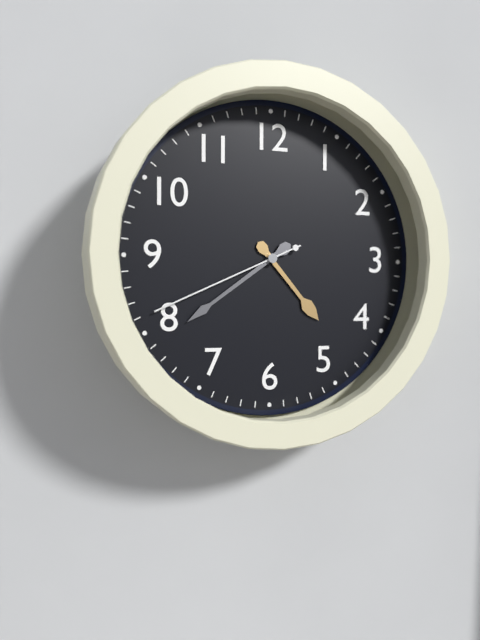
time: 4:39:41
